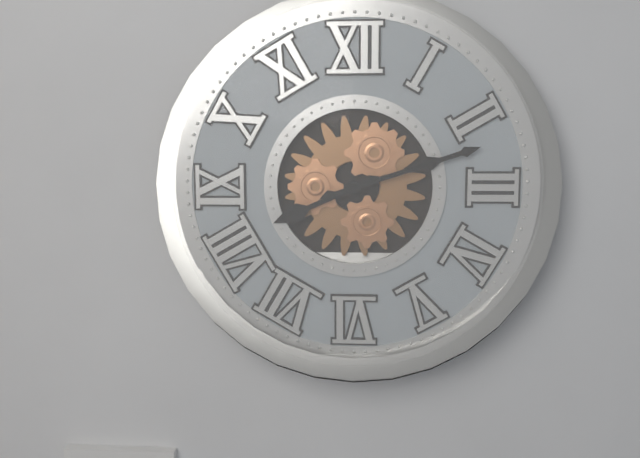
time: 8:12
